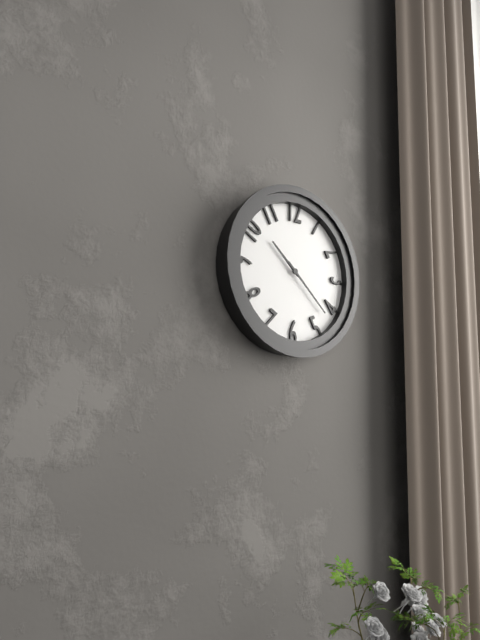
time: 10:22
